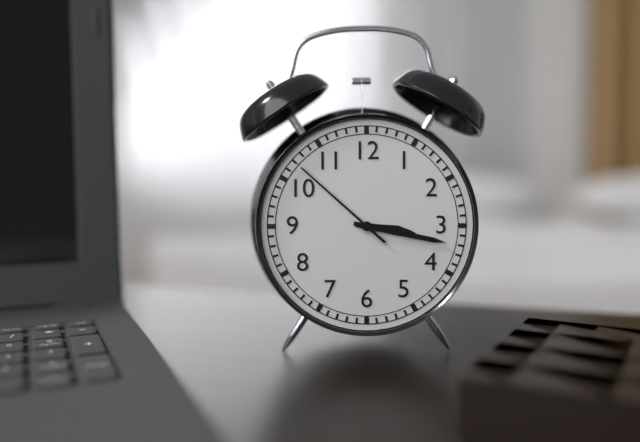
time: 3:17:52
